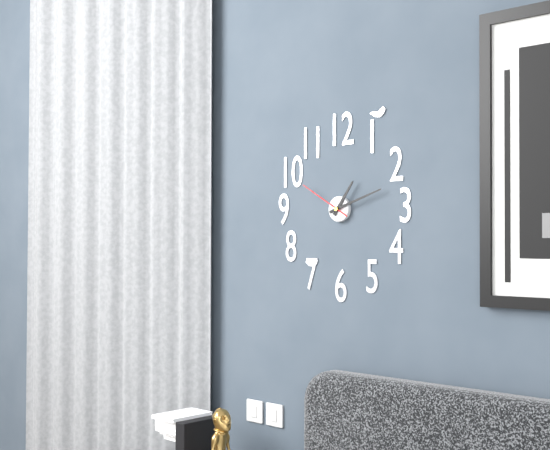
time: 1:12:50
